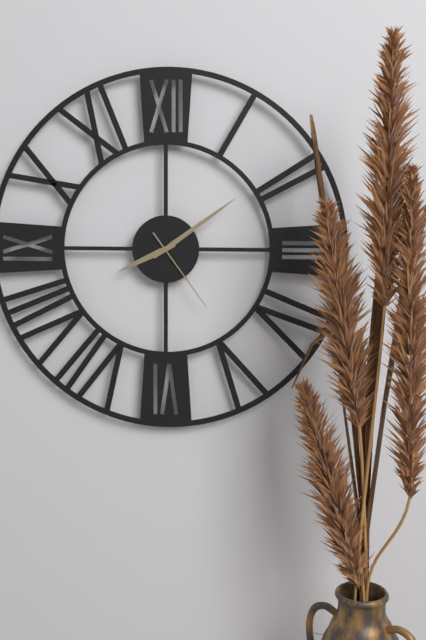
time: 8:09:24
